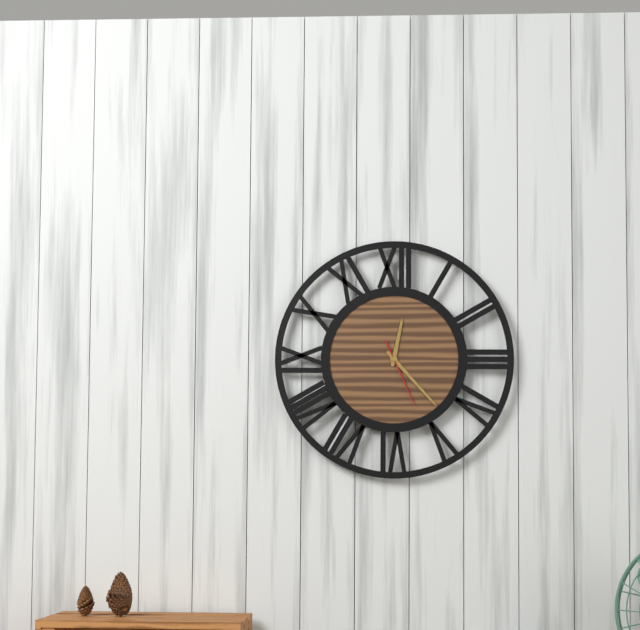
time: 12:23:26
